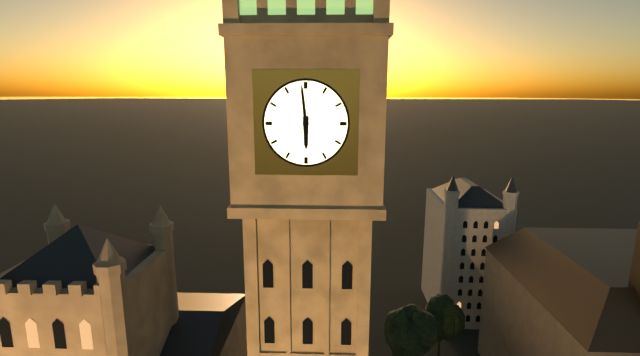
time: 5:59
